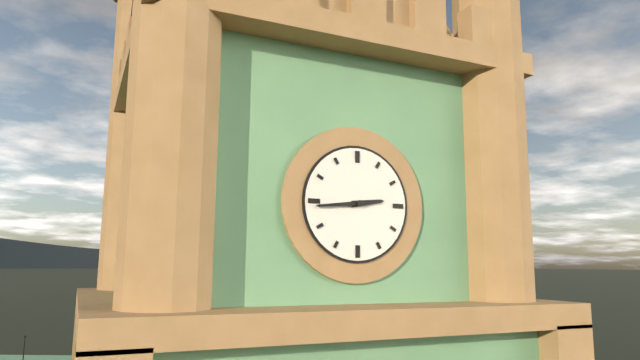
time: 2:44
